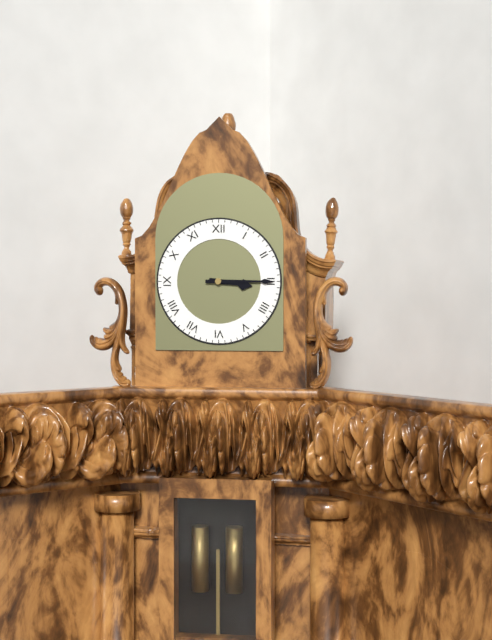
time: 3:15
